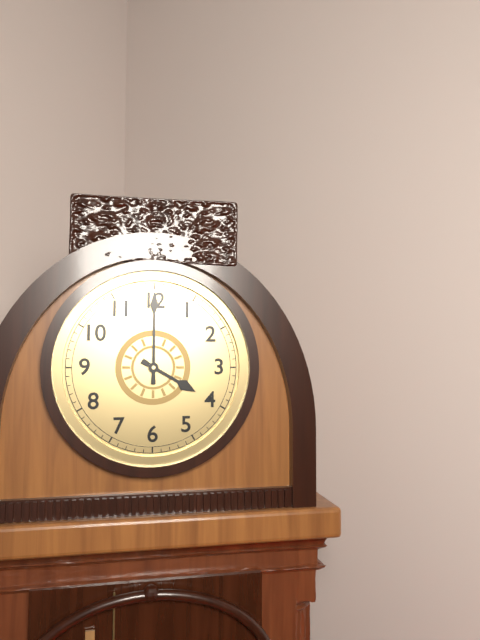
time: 4:00
